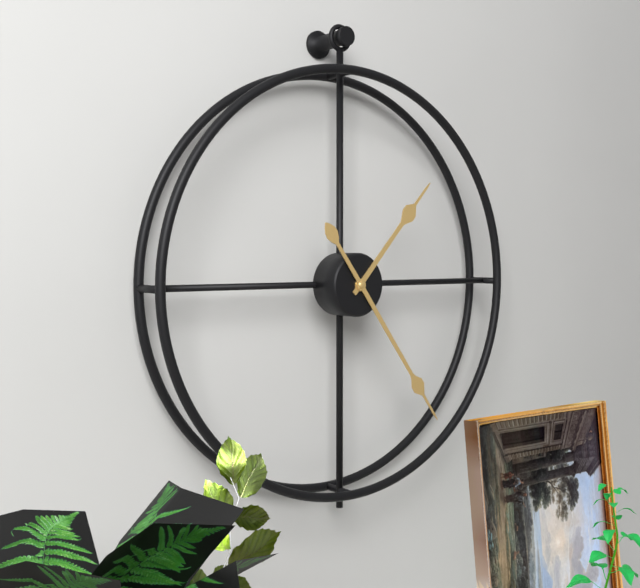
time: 1:24
